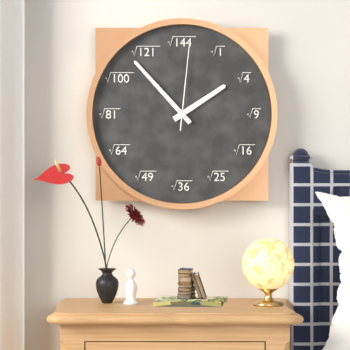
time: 1:53:01
